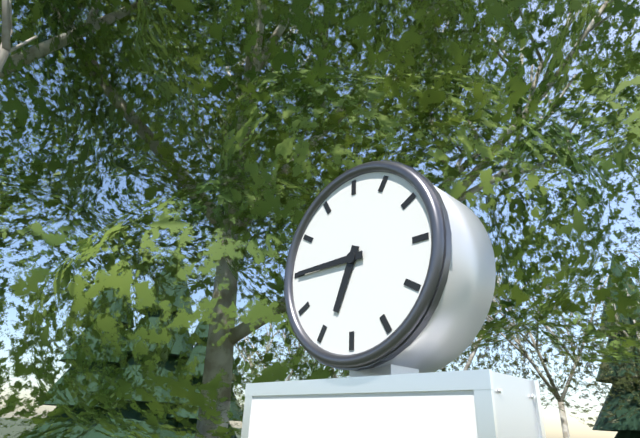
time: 6:45
